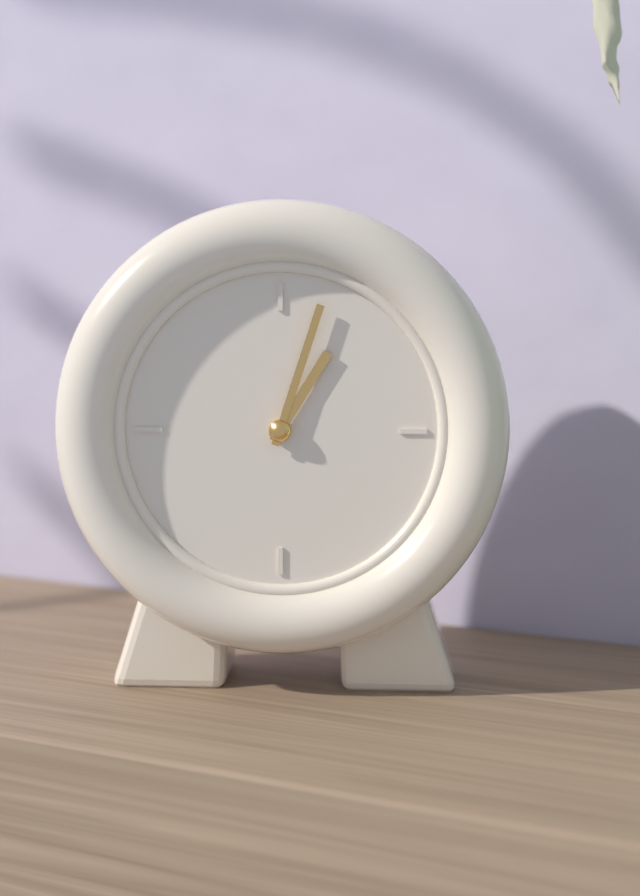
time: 1:03
